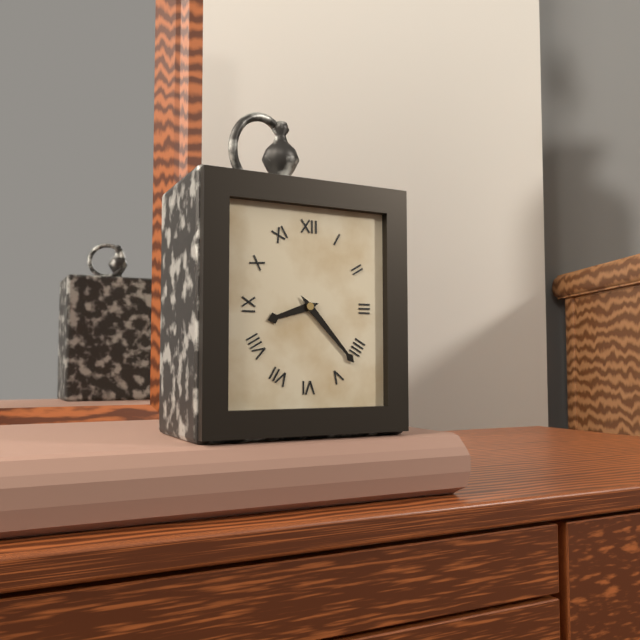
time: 8:23
